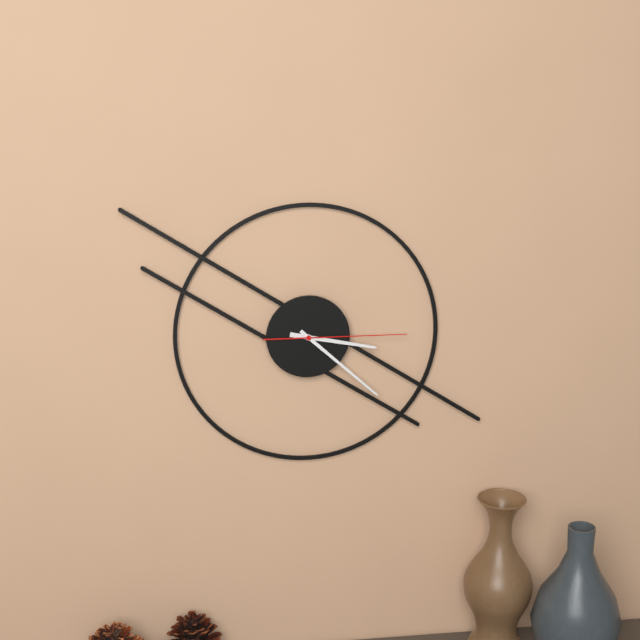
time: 3:22:15
